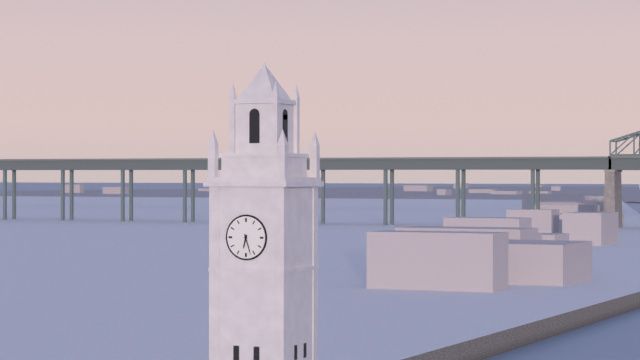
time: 6:27
